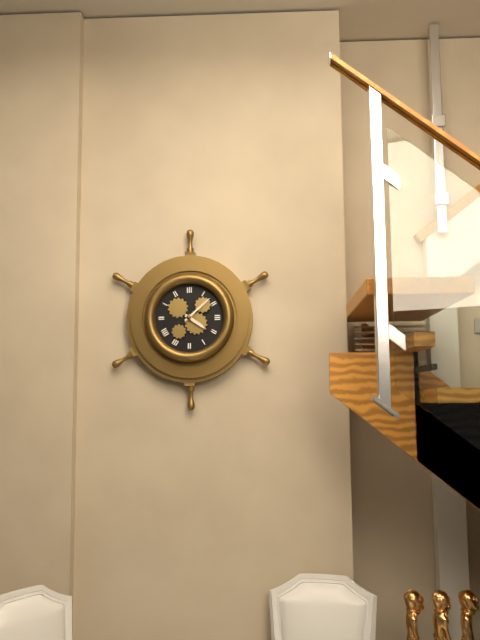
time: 4:08
